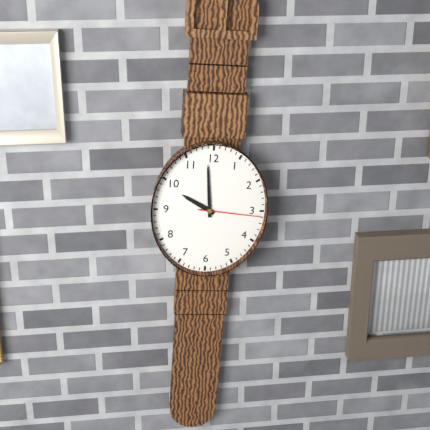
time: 9:59:16
